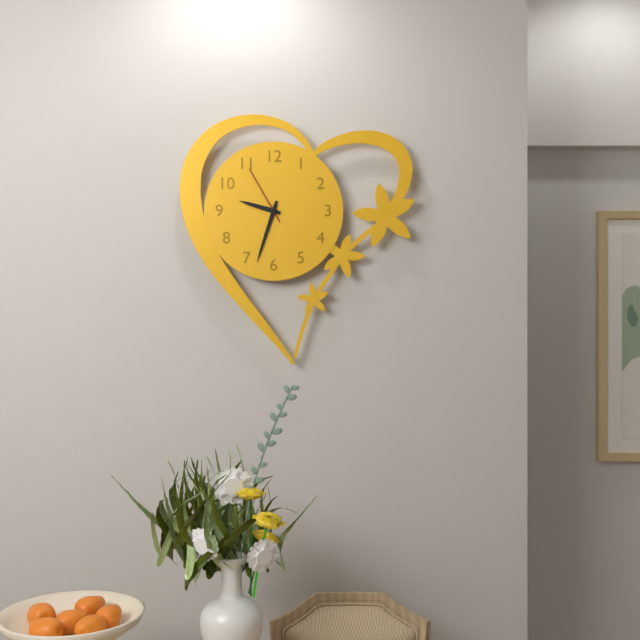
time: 9:33:55
